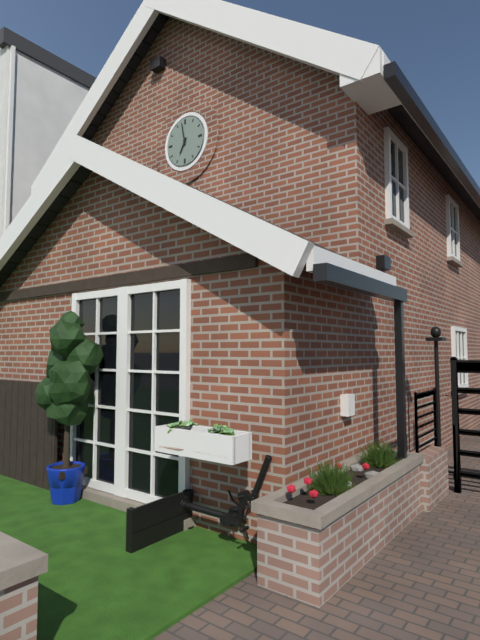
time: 6:58
